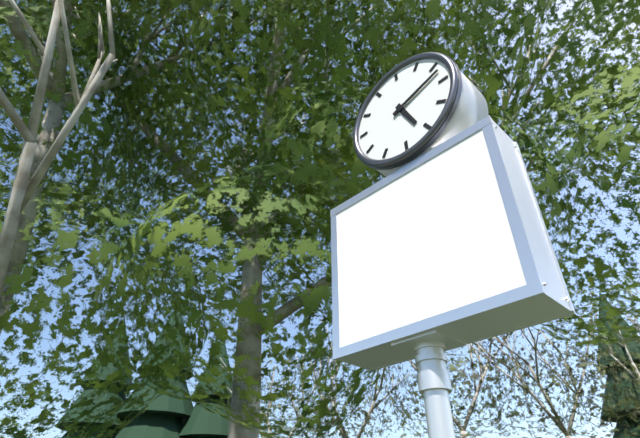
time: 5:12
